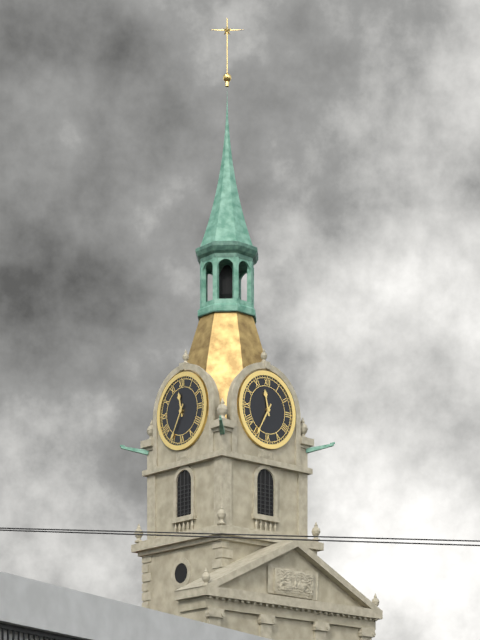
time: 11:35
